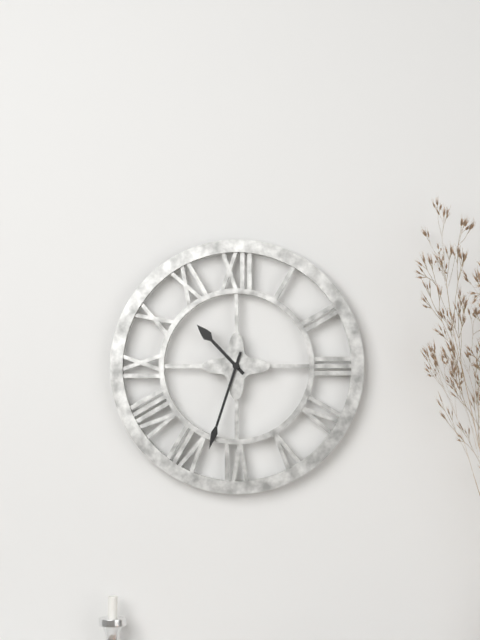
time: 10:33
